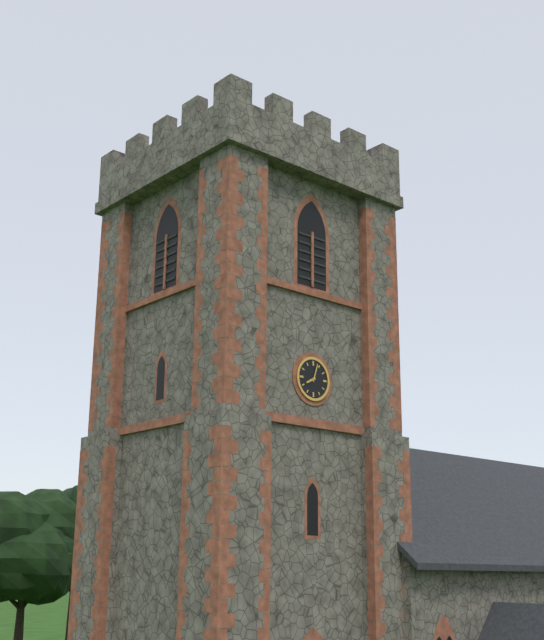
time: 8:03
